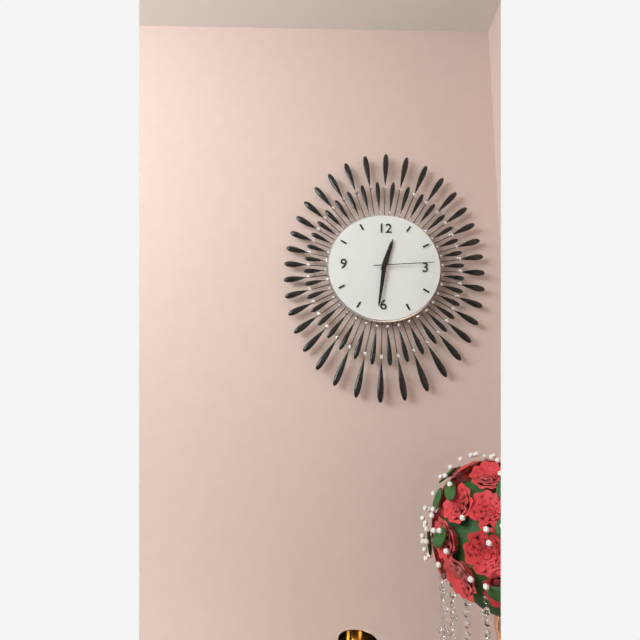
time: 12:31:14
